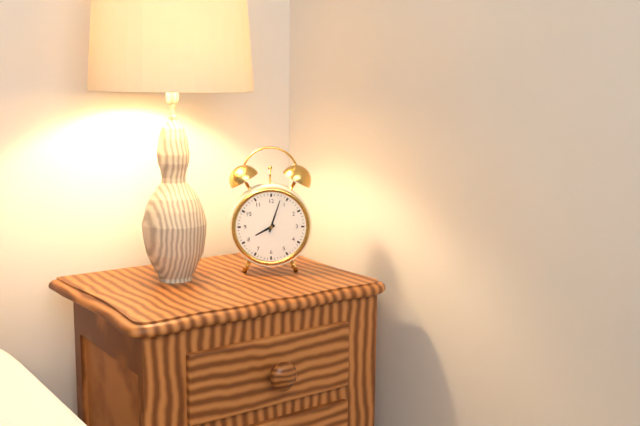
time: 8:03
